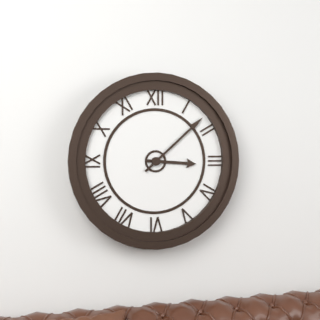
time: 3:08
